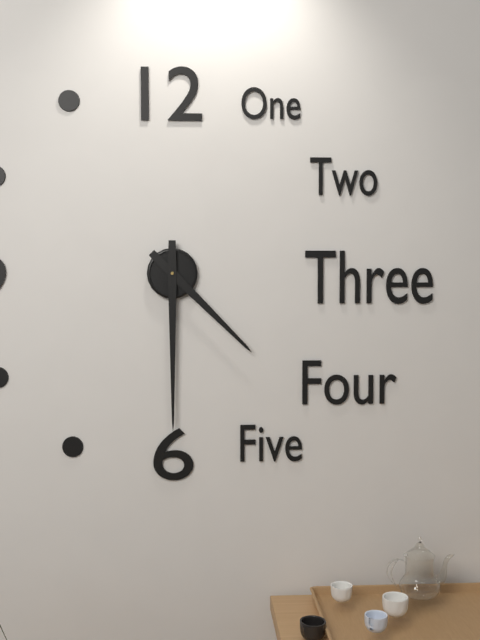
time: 4:30
